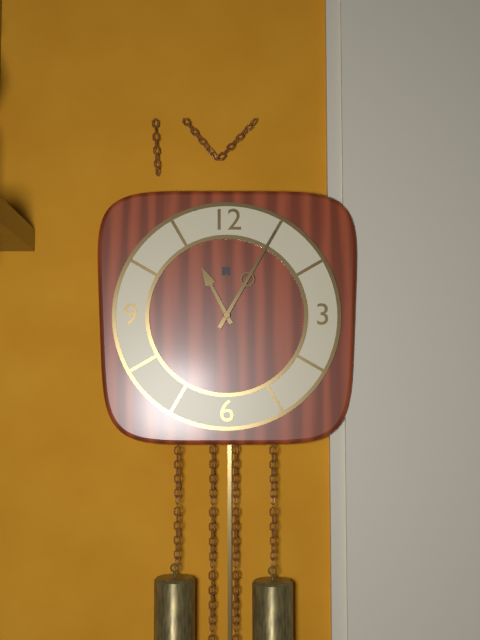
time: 11:05
